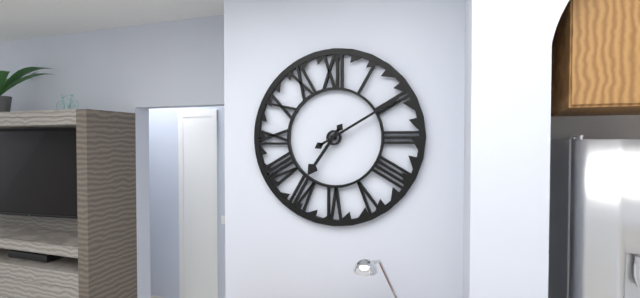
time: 7:10
